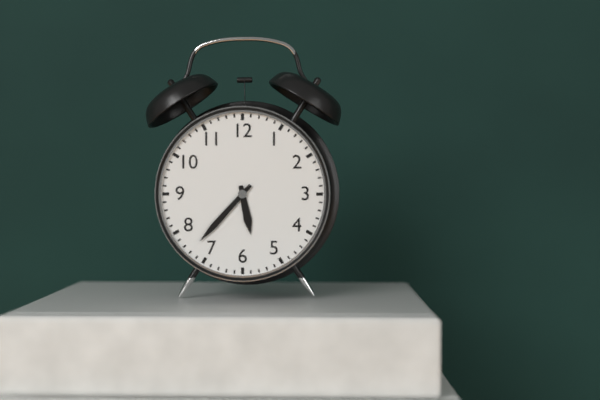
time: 5:37
